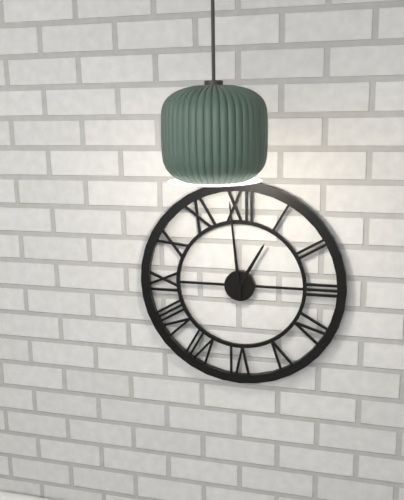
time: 12:59
